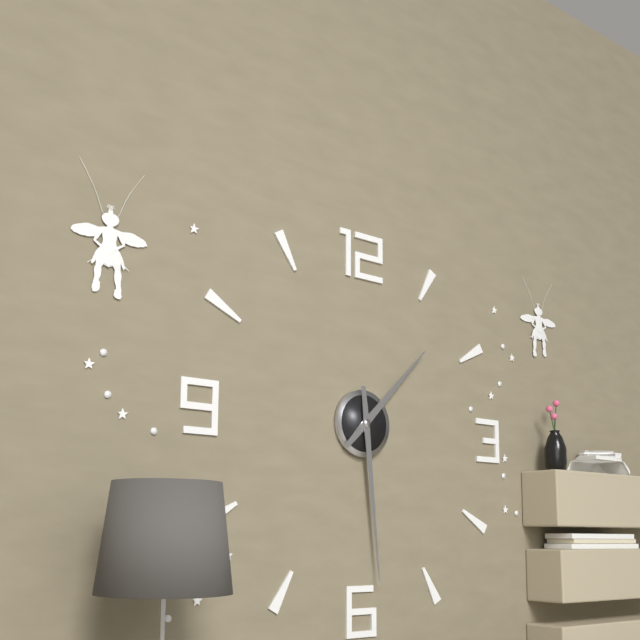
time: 1:29
